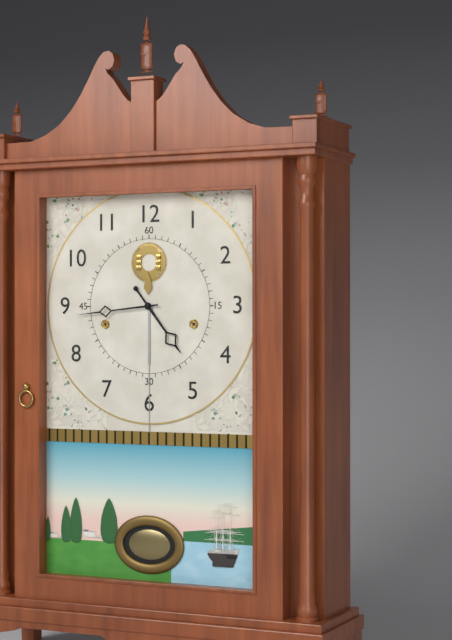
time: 4:44
